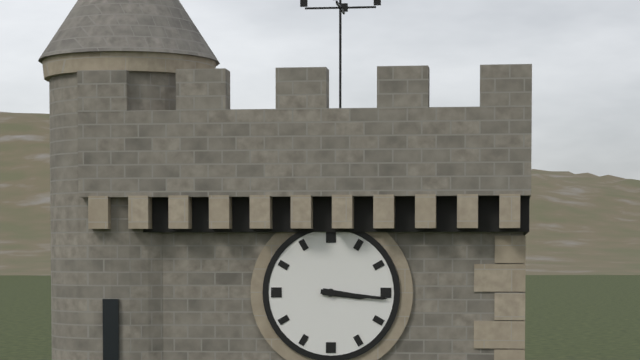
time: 3:16
